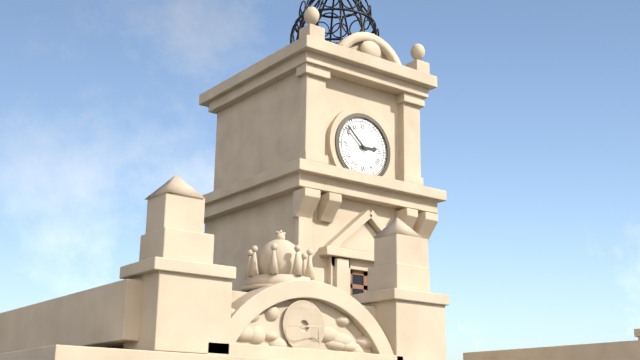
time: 2:52
